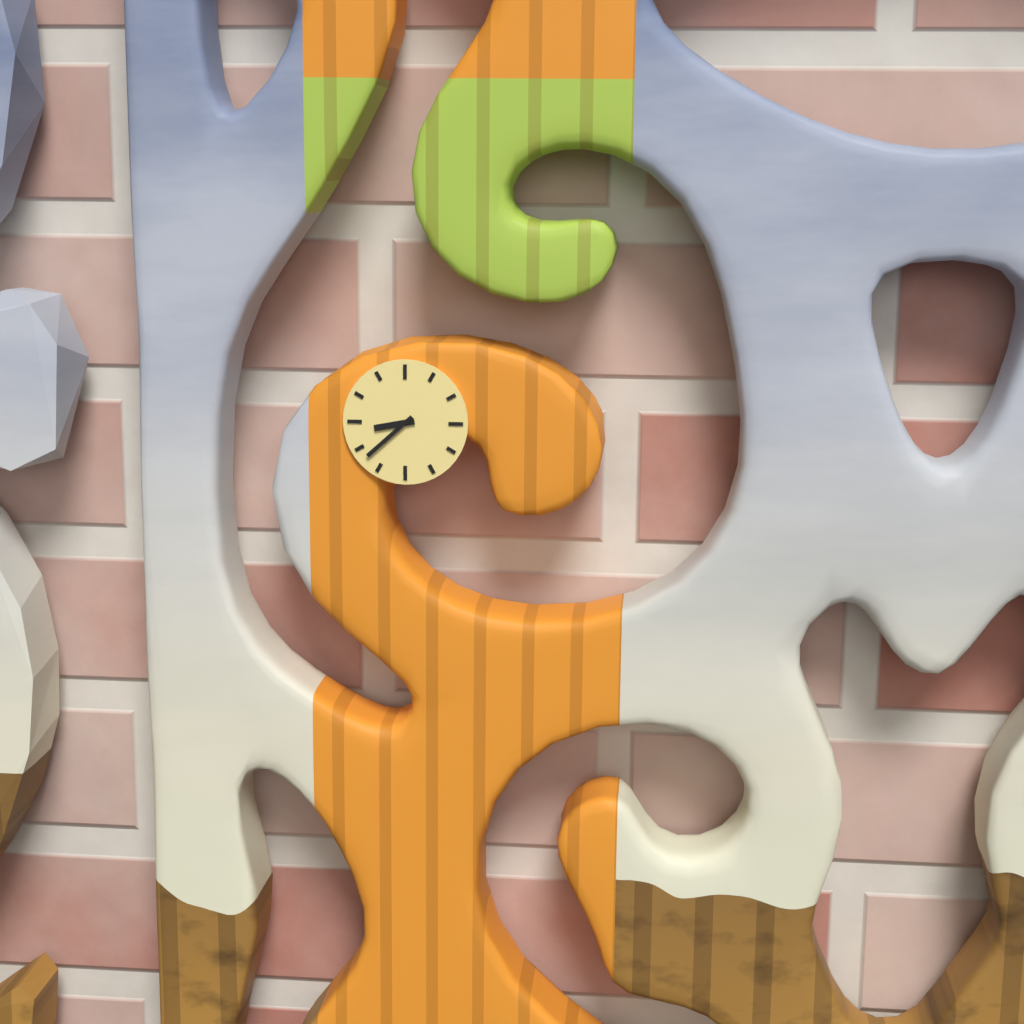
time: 8:38
